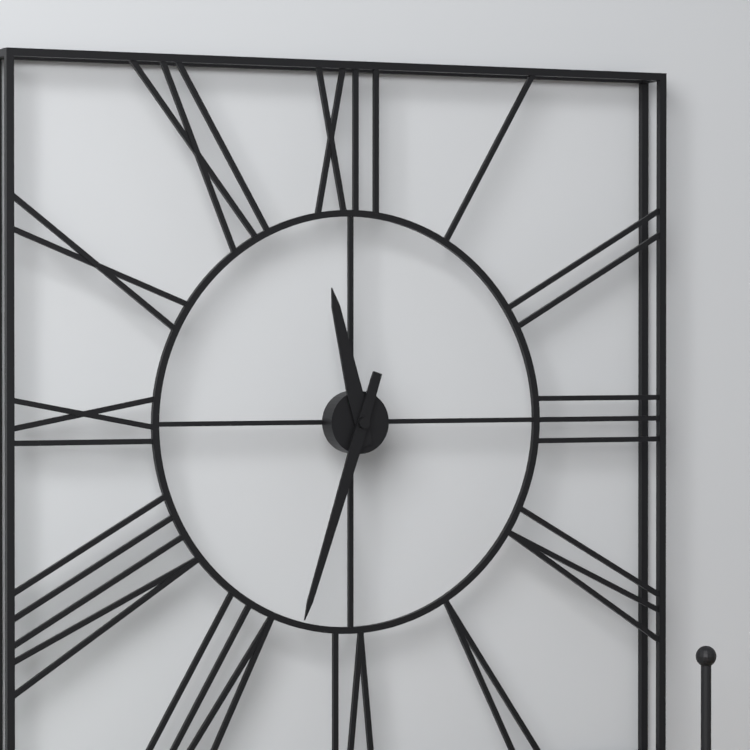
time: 11:33
